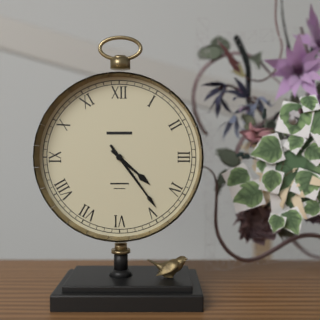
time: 4:24
